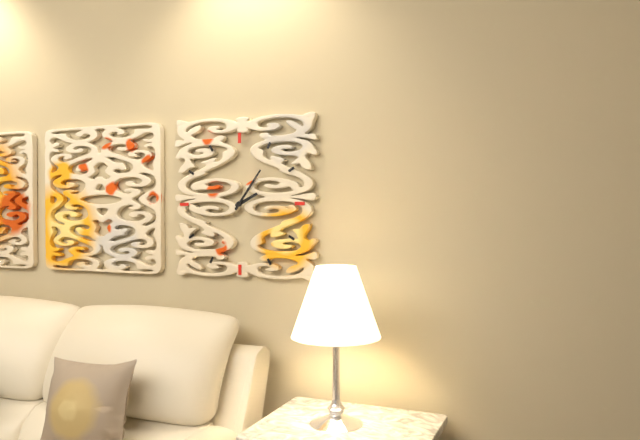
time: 2:06
